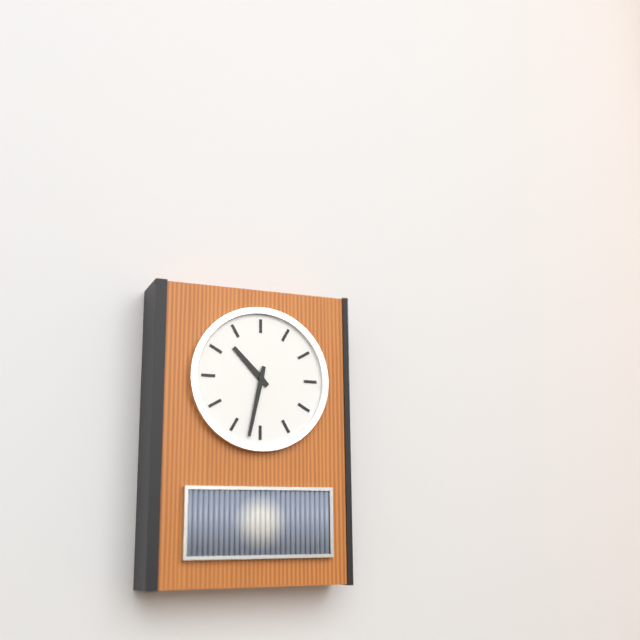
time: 10:32
